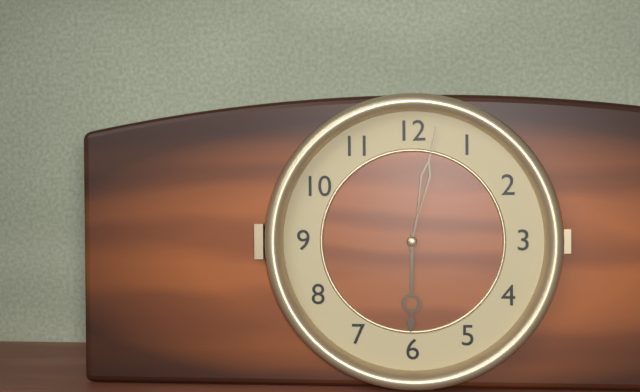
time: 6:02
